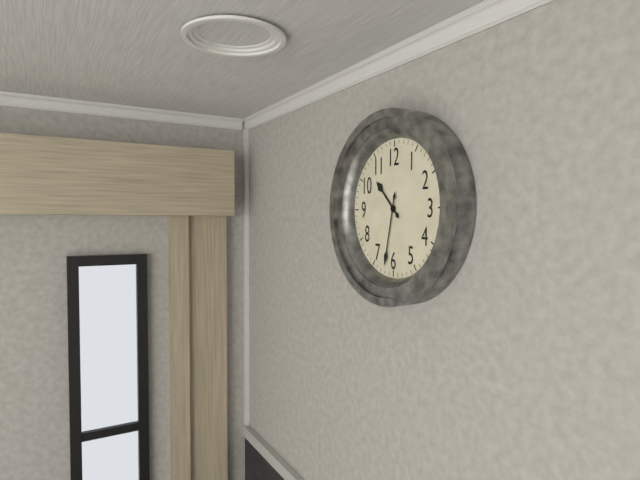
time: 10:32
